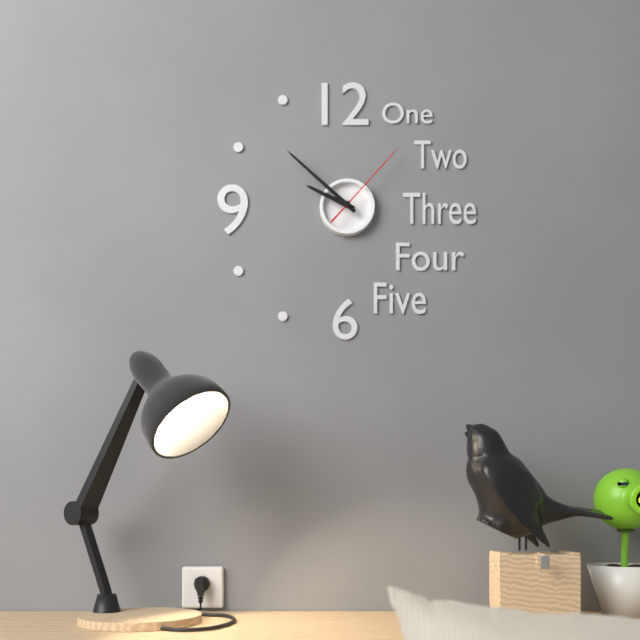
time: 9:52:07
